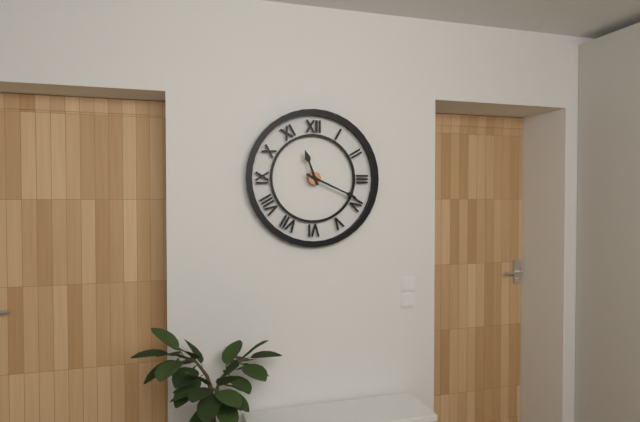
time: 11:19
